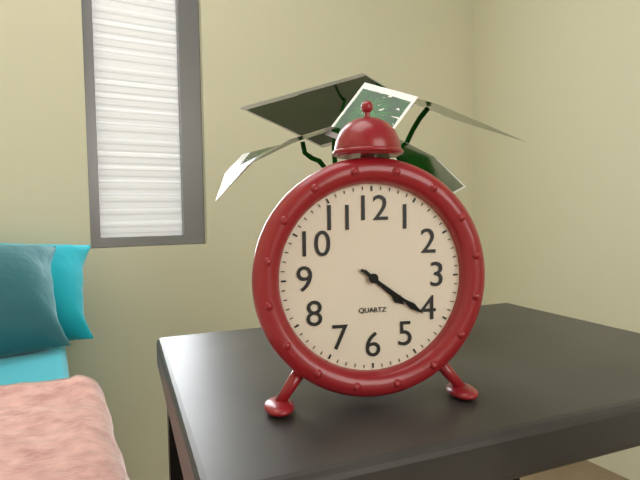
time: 4:21
